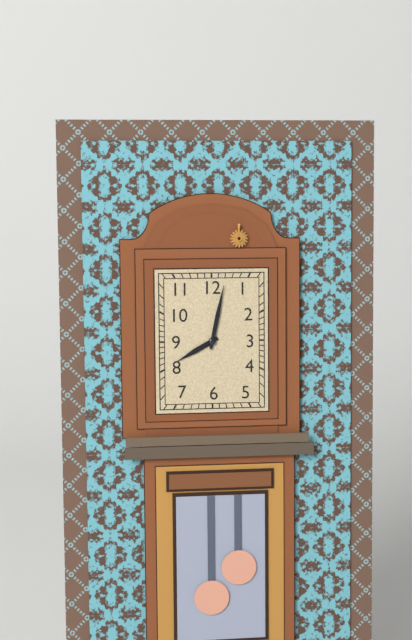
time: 8:02
